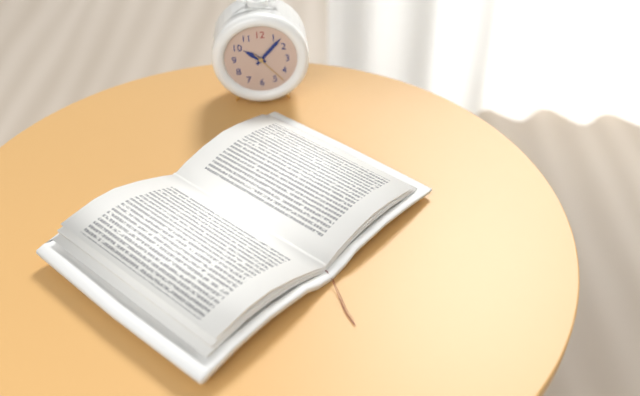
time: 10:07
